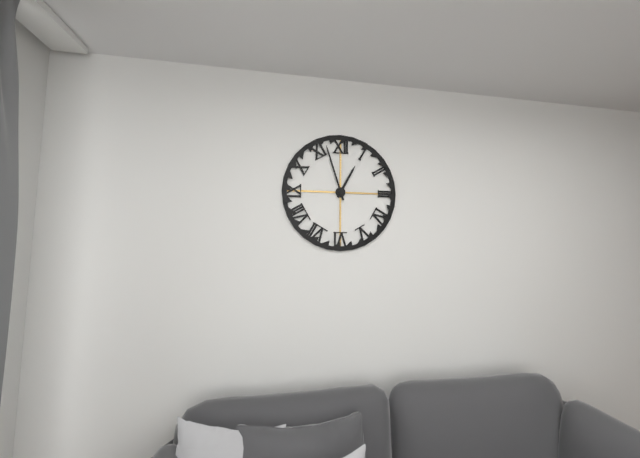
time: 12:57
